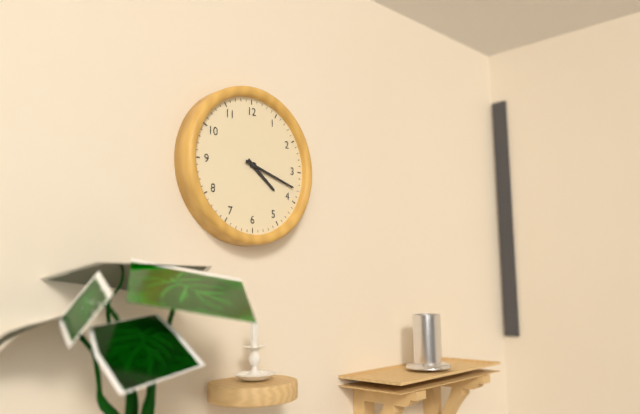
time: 4:18
